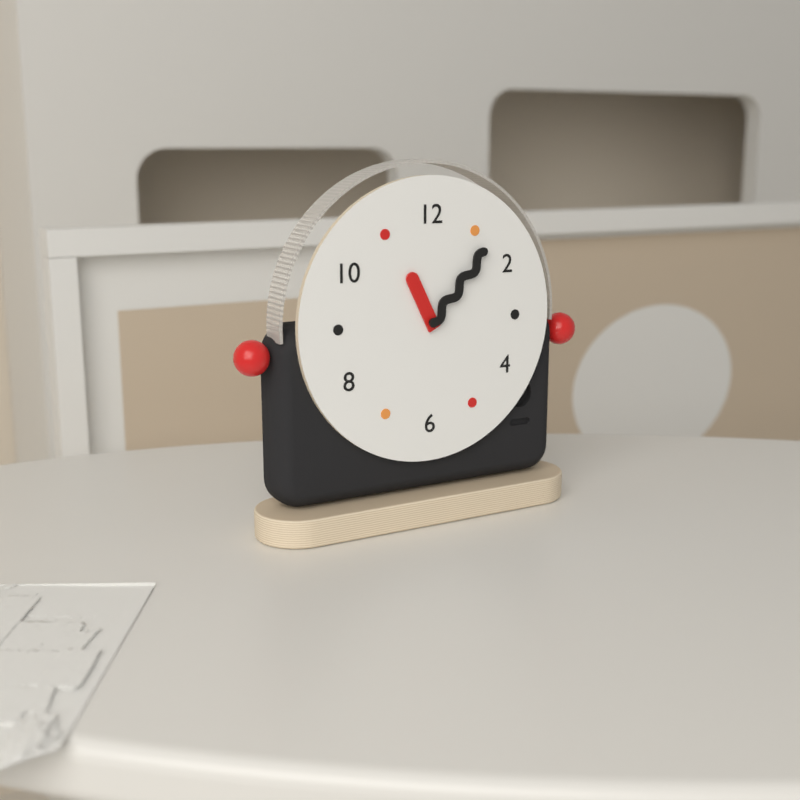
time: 11:07
